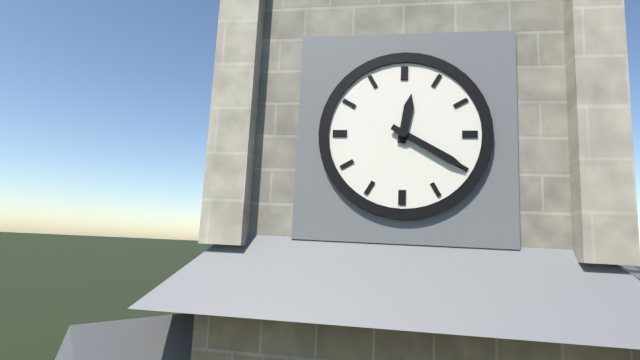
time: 12:20
